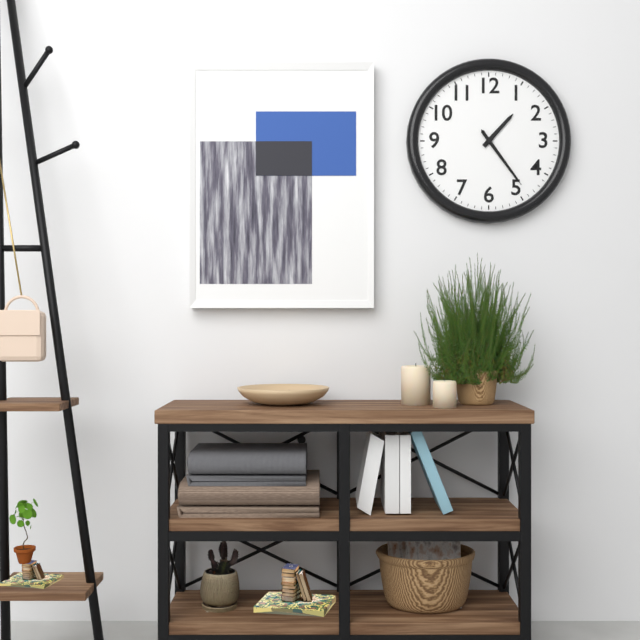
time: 1:24:24
